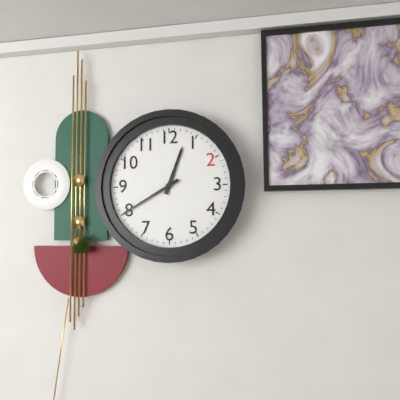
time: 12:40
